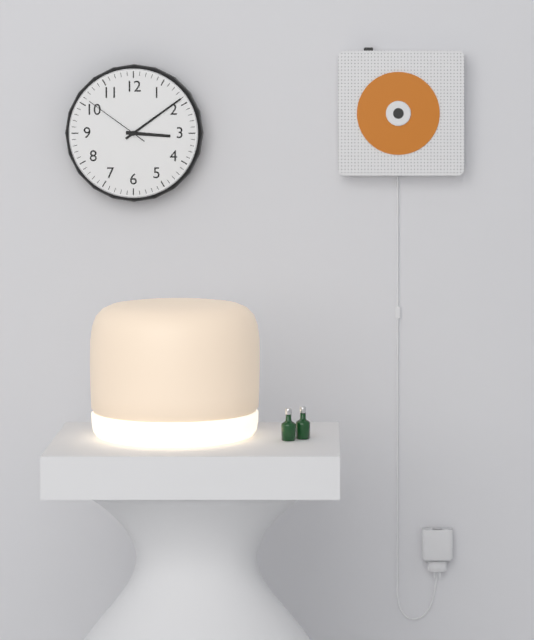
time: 3:09:51
